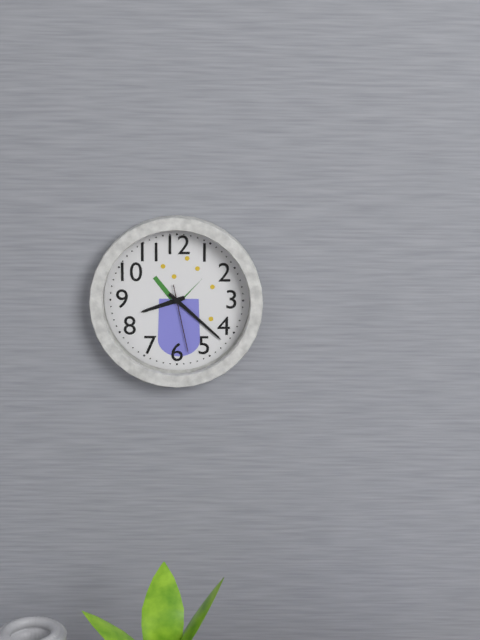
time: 8:22:28
